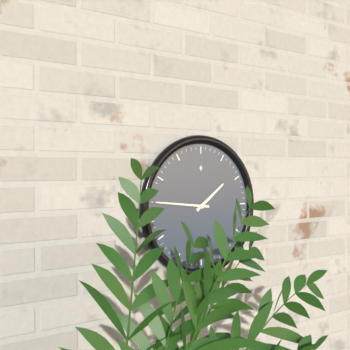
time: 1:46
